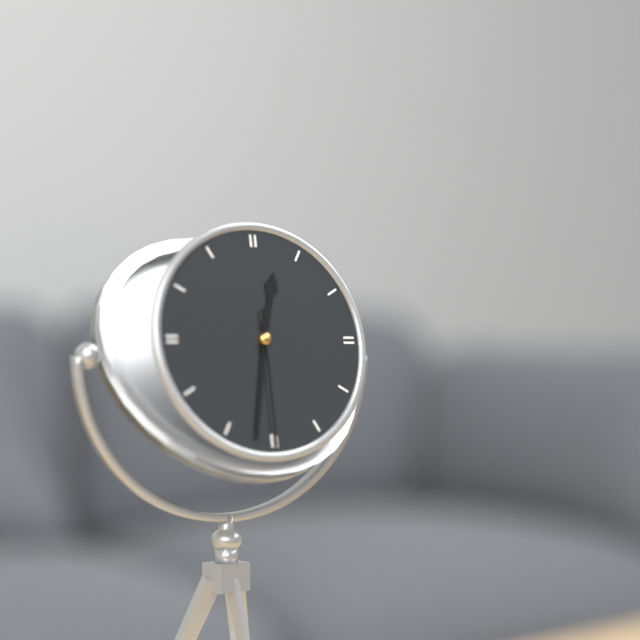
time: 12:32:30
